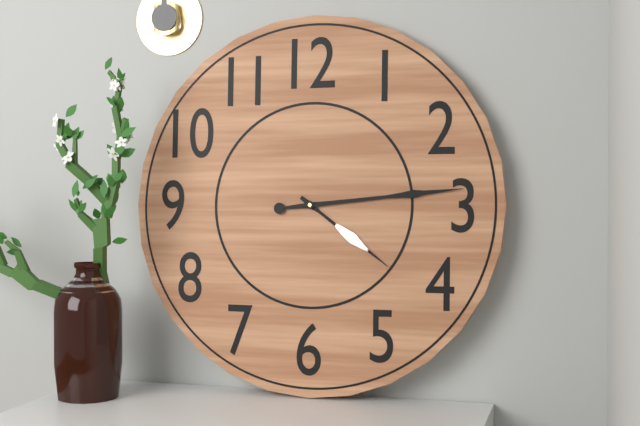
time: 4:14
